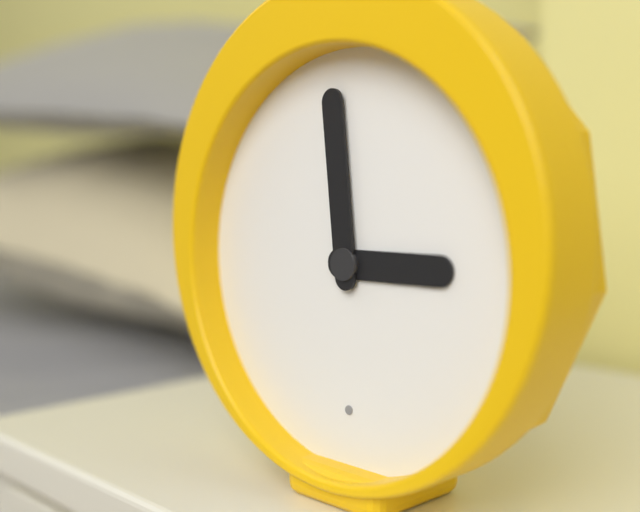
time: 2:59
